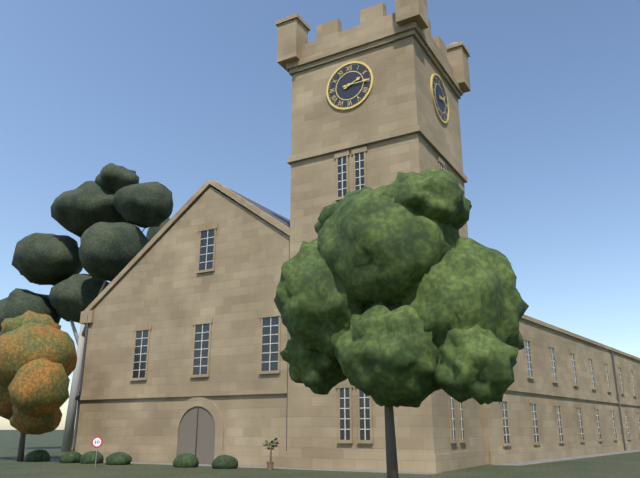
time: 2:15
